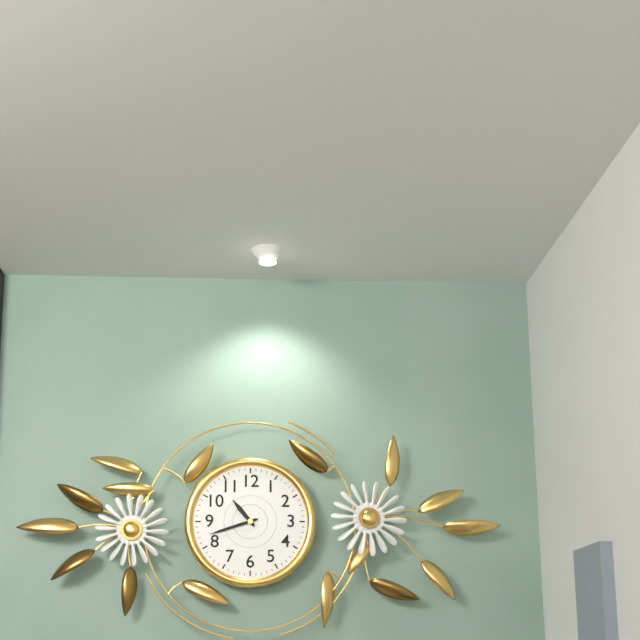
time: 10:42
